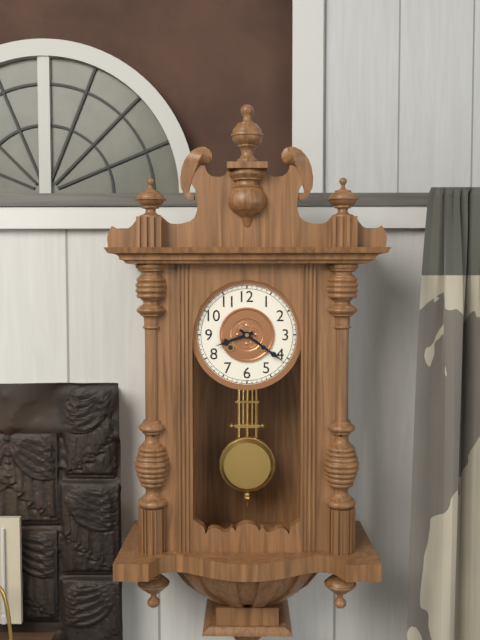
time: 8:21
